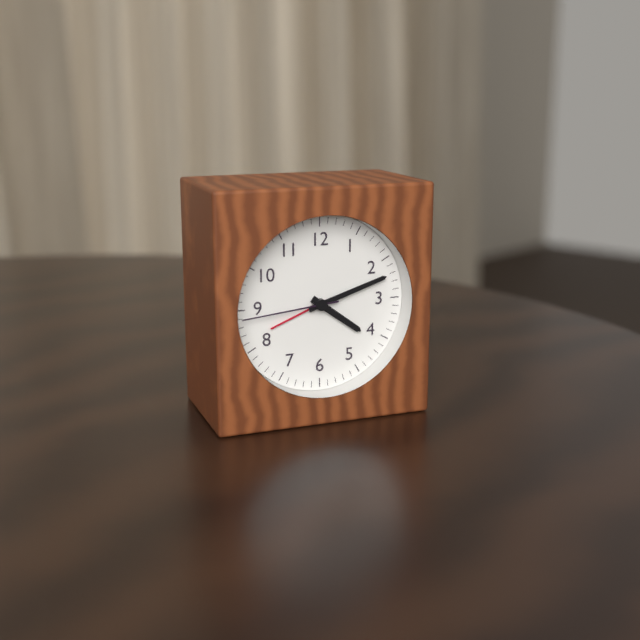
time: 4:12:44
